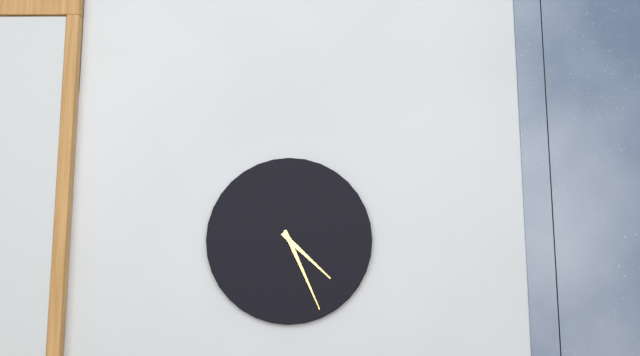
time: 4:26
